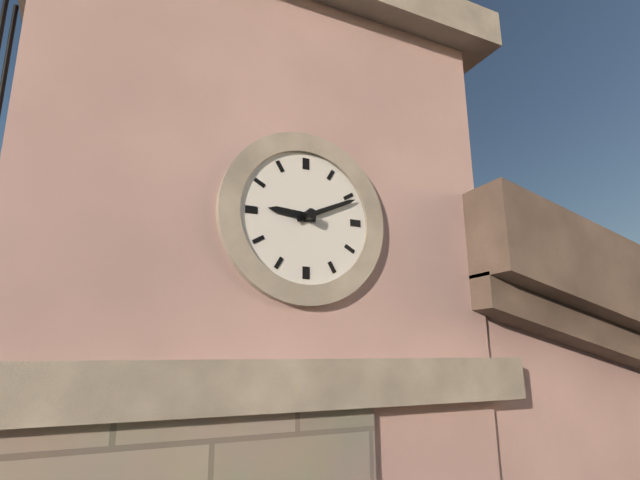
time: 9:11
